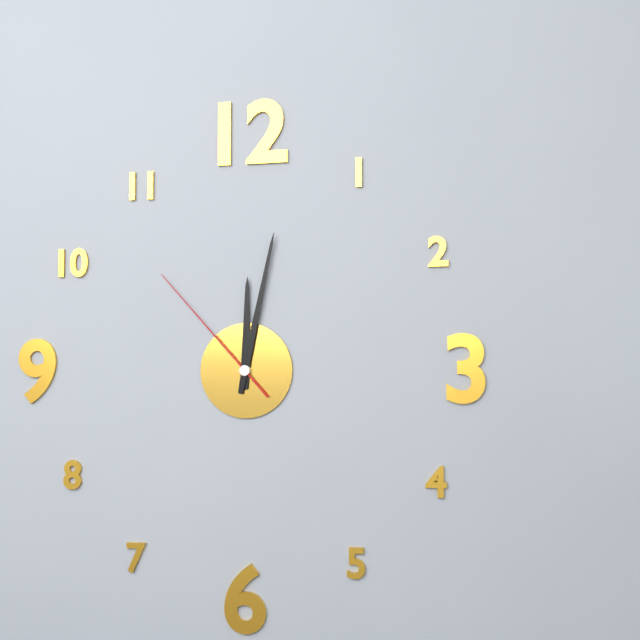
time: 12:02:53
